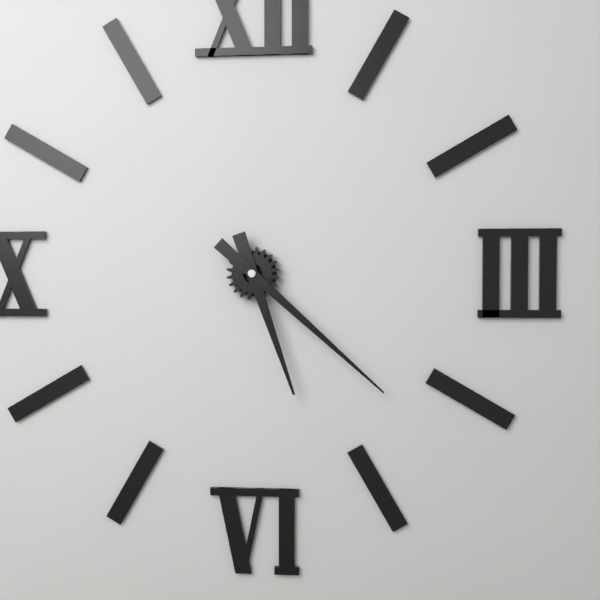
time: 5:22
